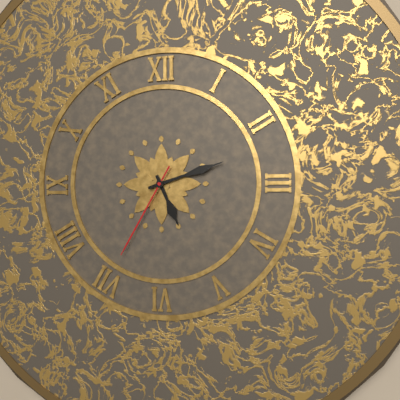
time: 5:12:35
